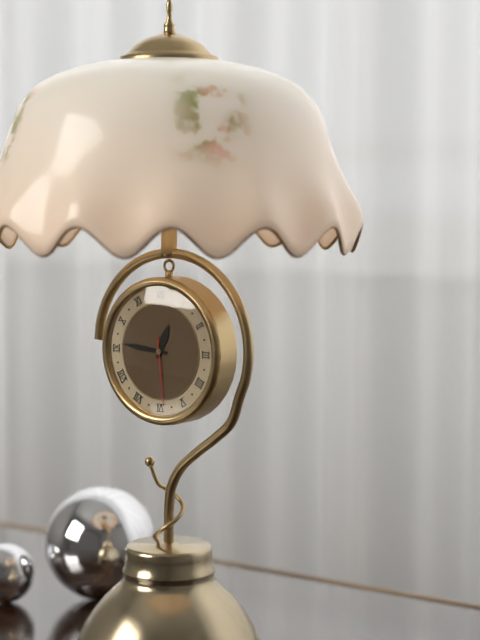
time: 12:46:29
